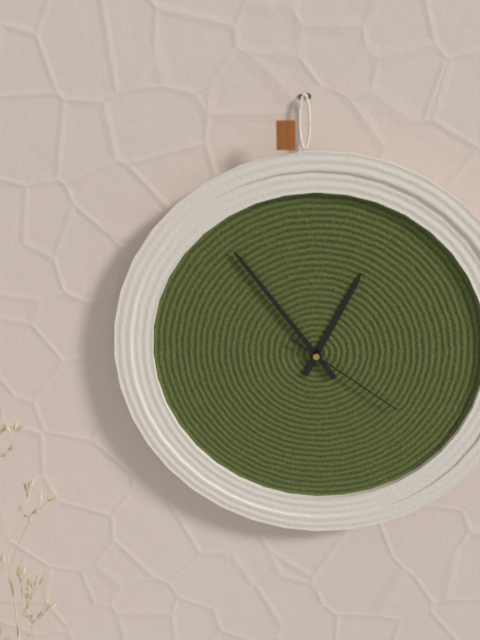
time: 12:54:21
